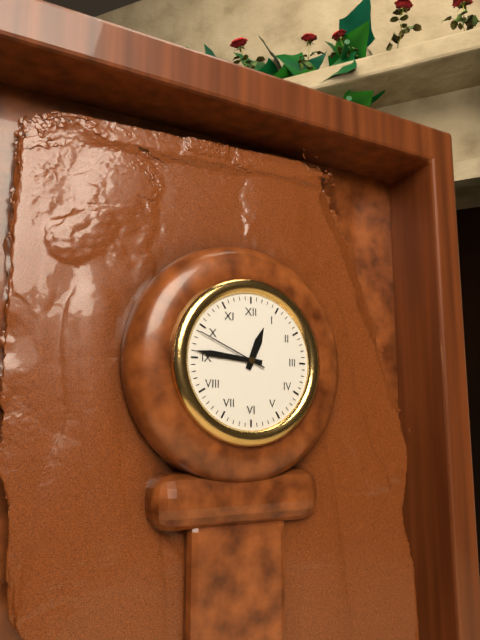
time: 12:46:49
